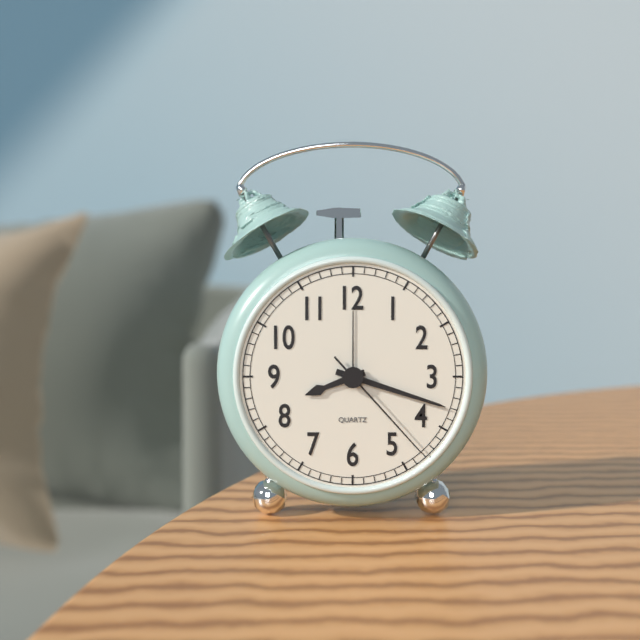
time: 8:18:23
